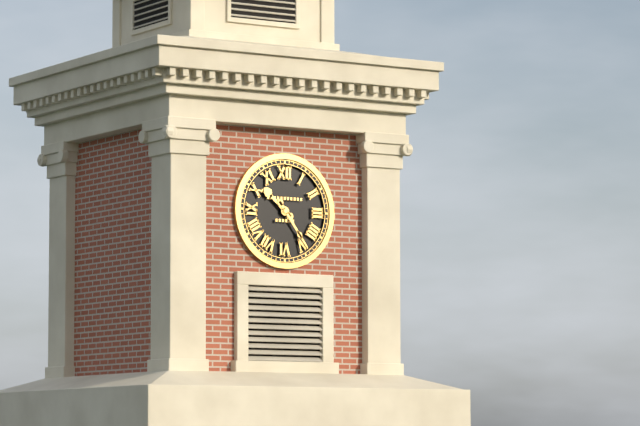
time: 10:24
